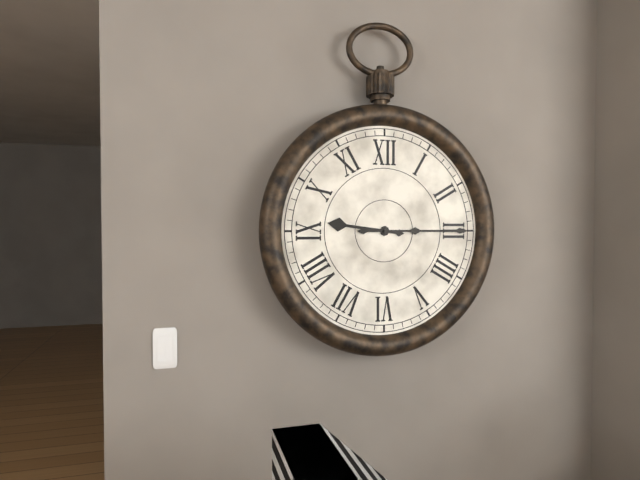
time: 9:15
